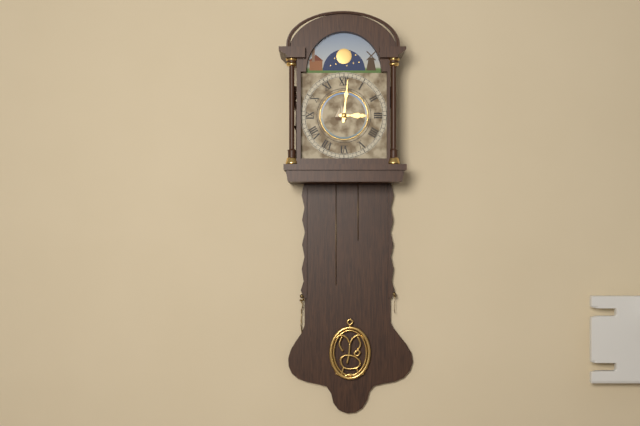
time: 3:01
